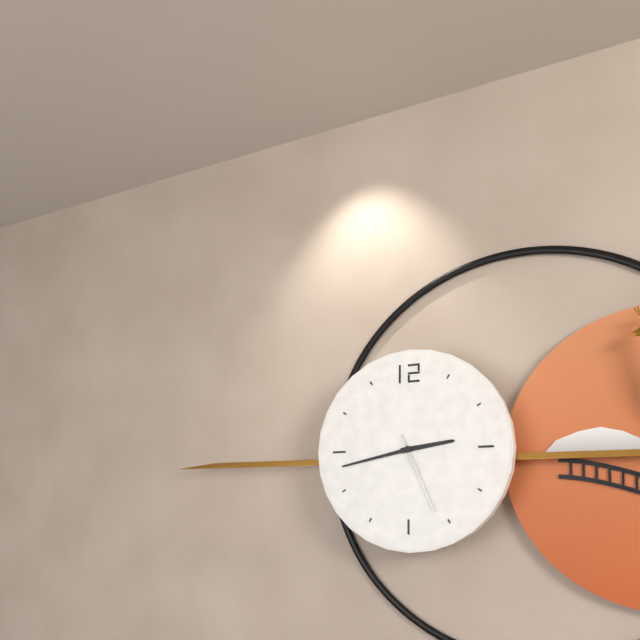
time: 2:43:26
